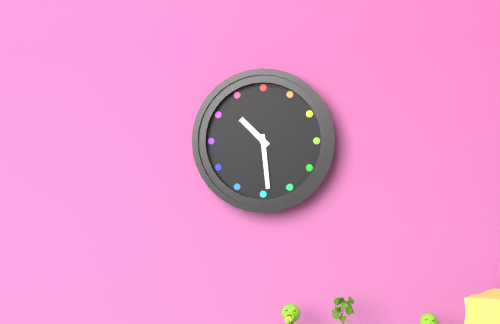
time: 10:29
